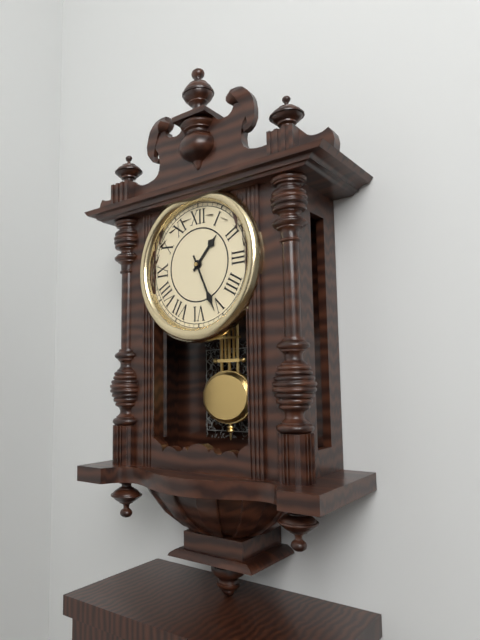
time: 1:26
